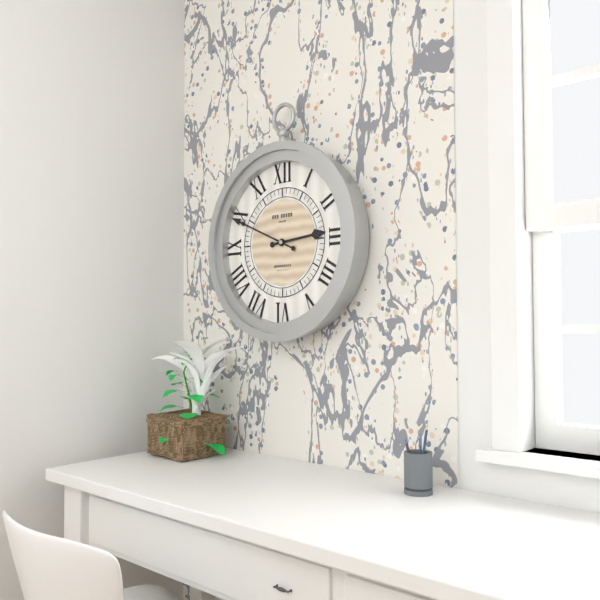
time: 2:49
